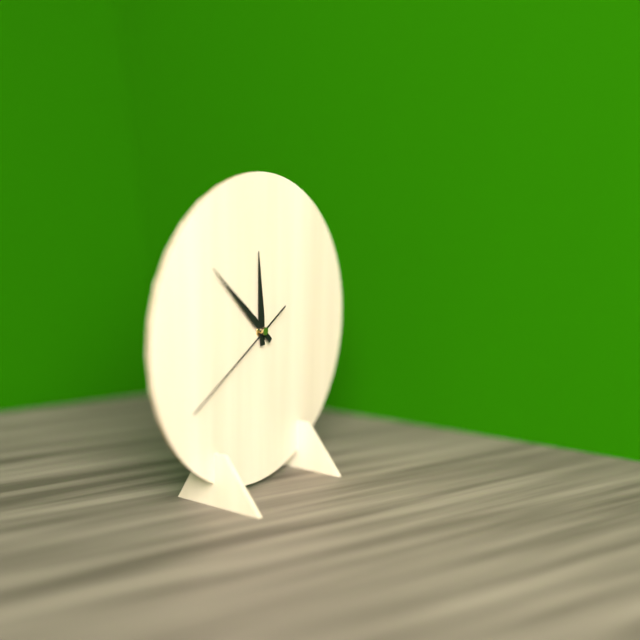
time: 11:52:40
